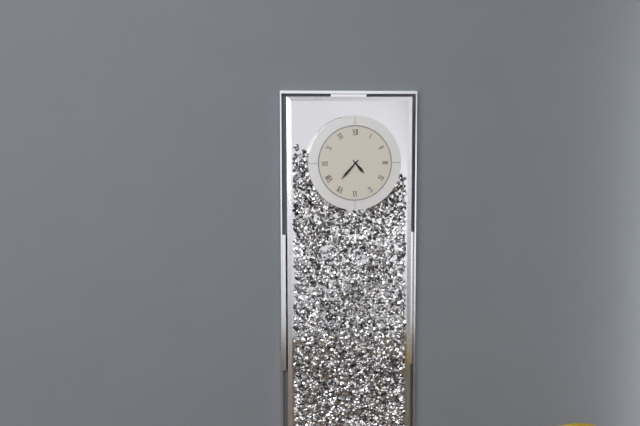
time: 4:37
